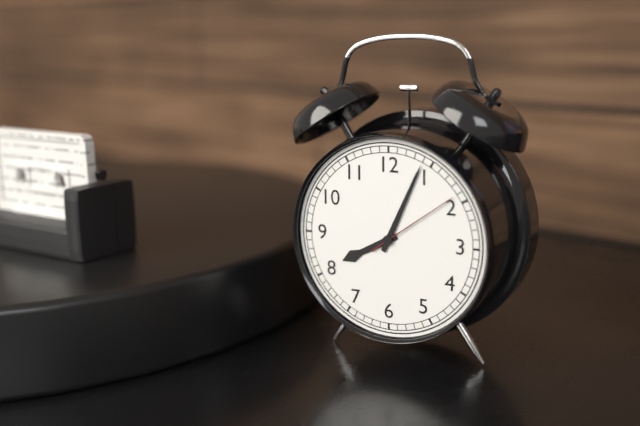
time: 8:04:09
